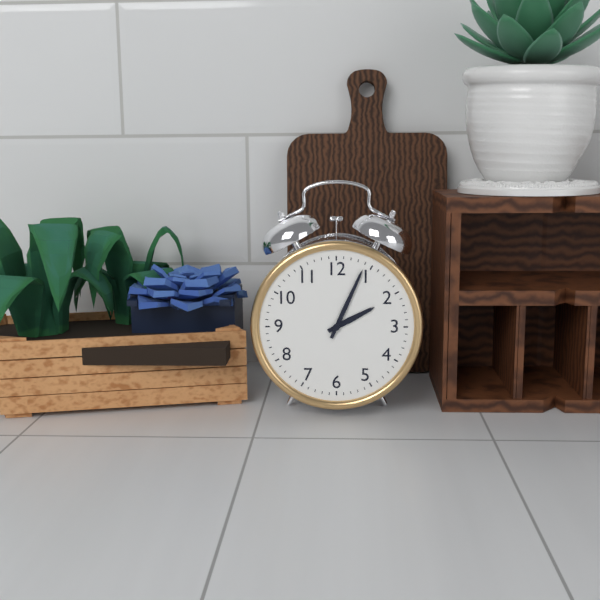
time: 2:04
